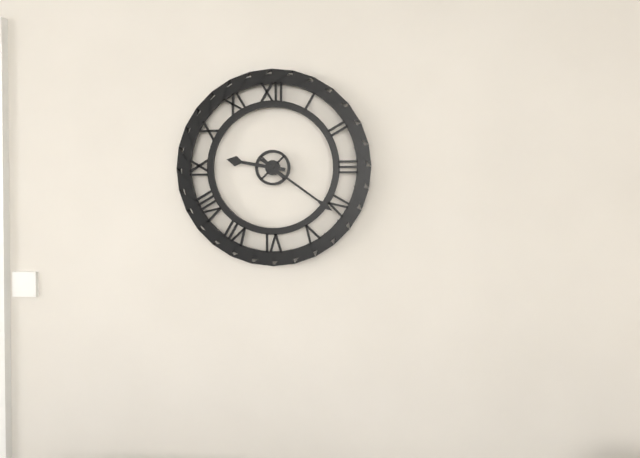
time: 9:21
